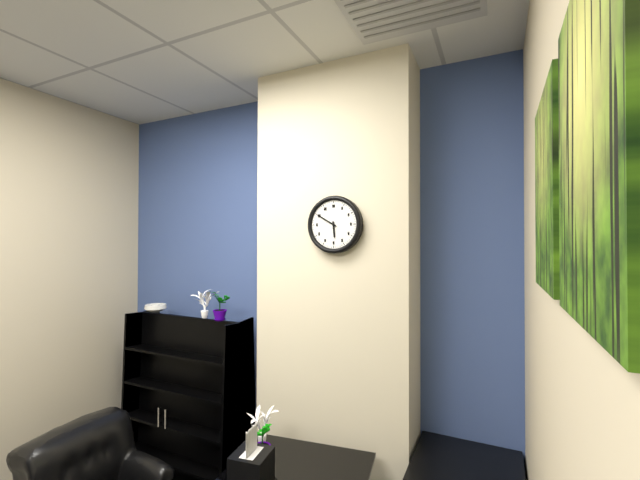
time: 5:50
